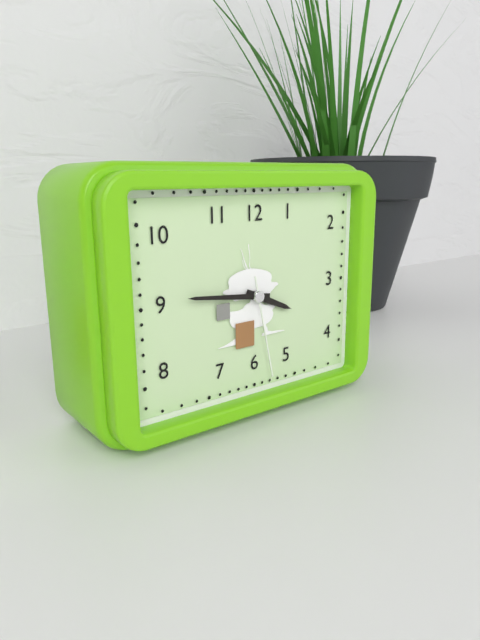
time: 3:46:28
